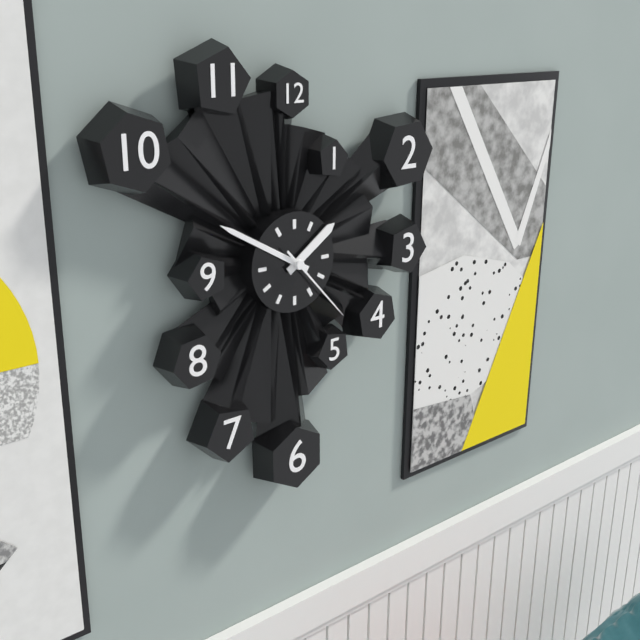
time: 1:50:23
